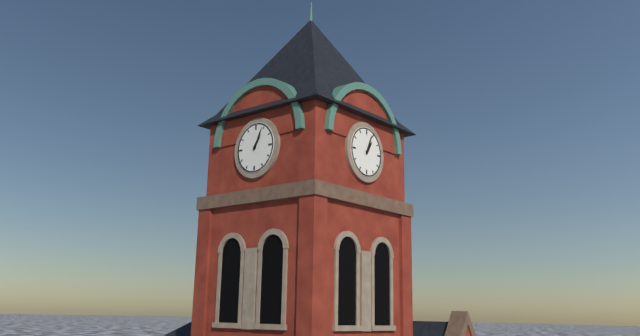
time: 1:04
